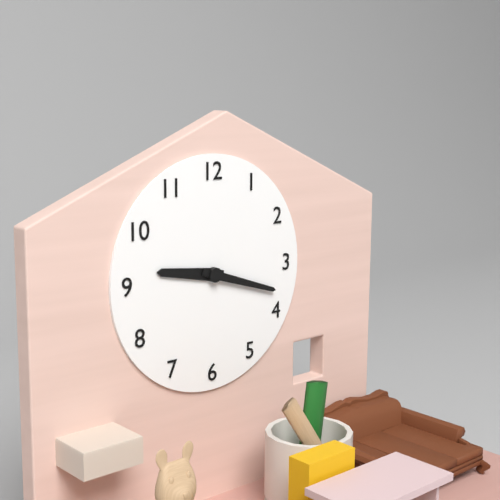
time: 9:18
